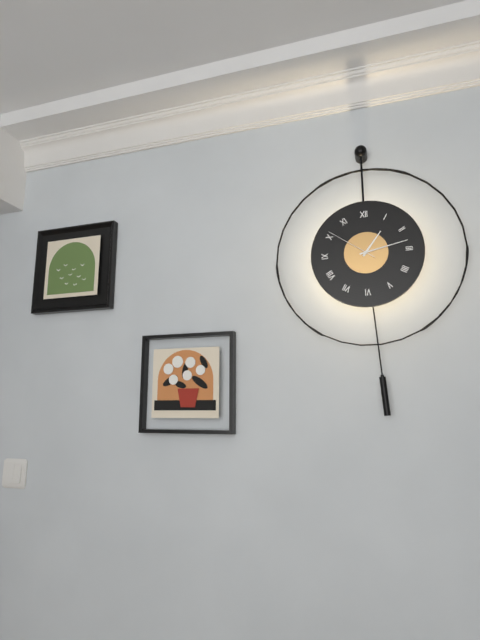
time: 1:13:51
